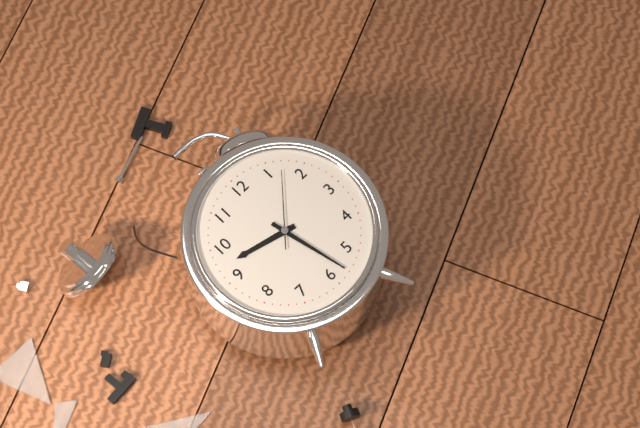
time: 9:28:07
